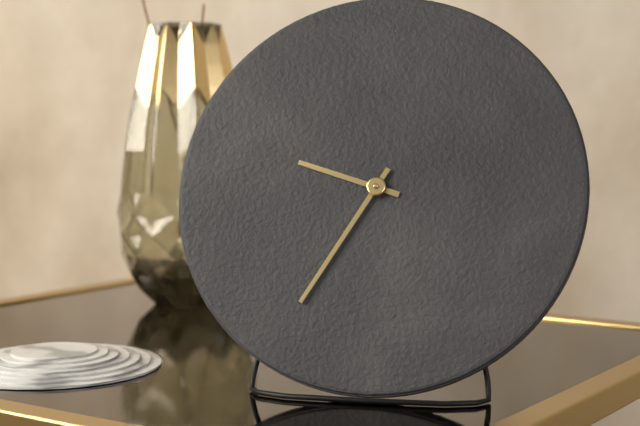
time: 9:35
